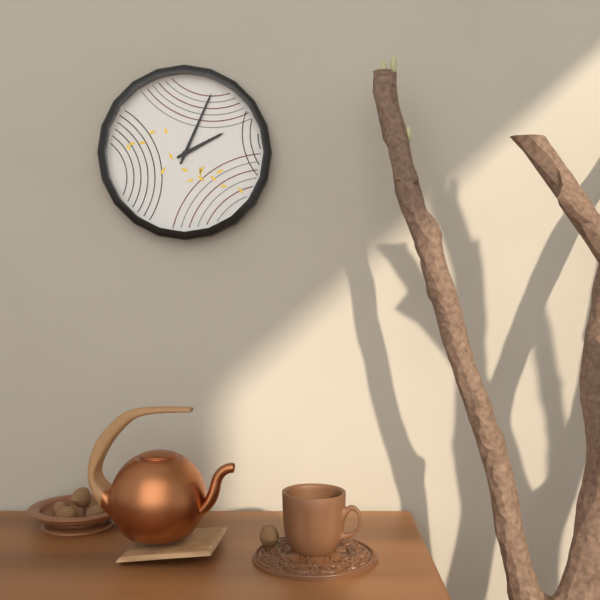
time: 2:04
